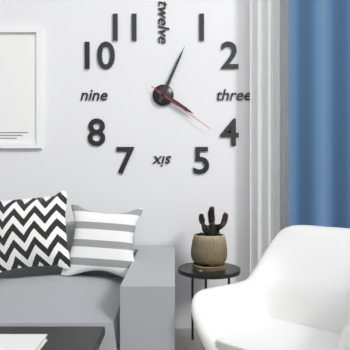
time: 4:04:21
